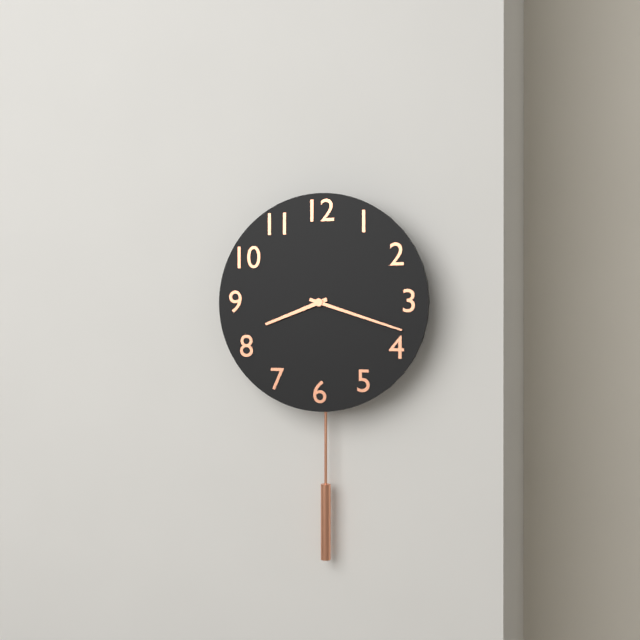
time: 8:18
